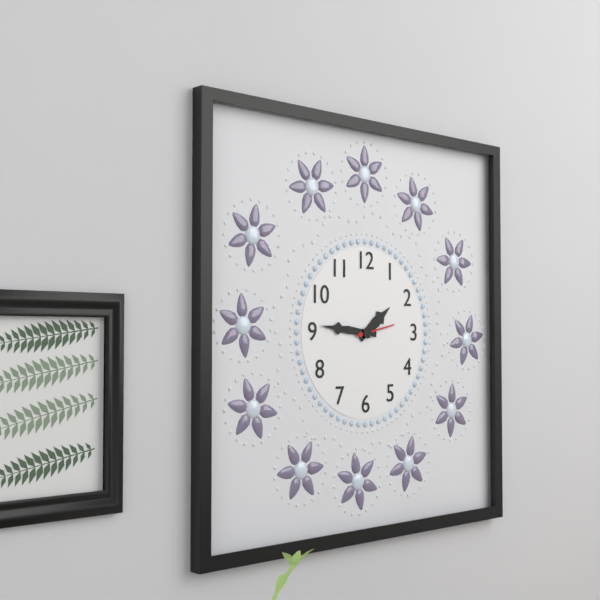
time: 1:46
